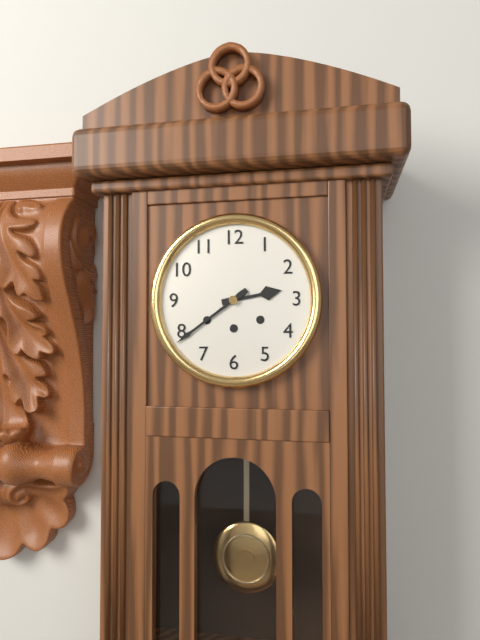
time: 2:39
